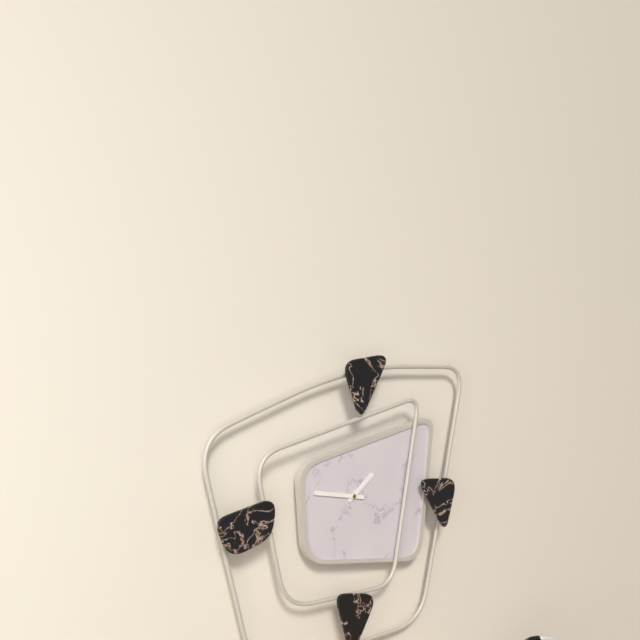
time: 1:47
